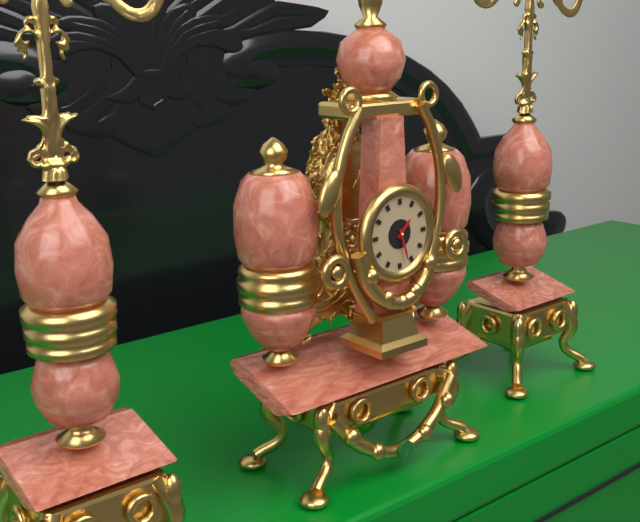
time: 1:27
